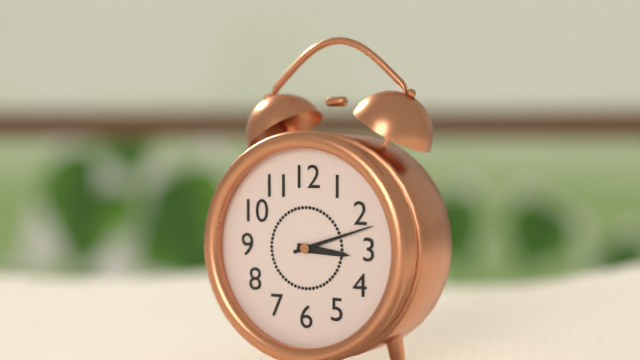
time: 3:12
